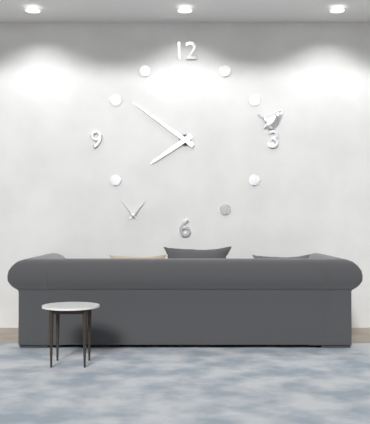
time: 7:51
